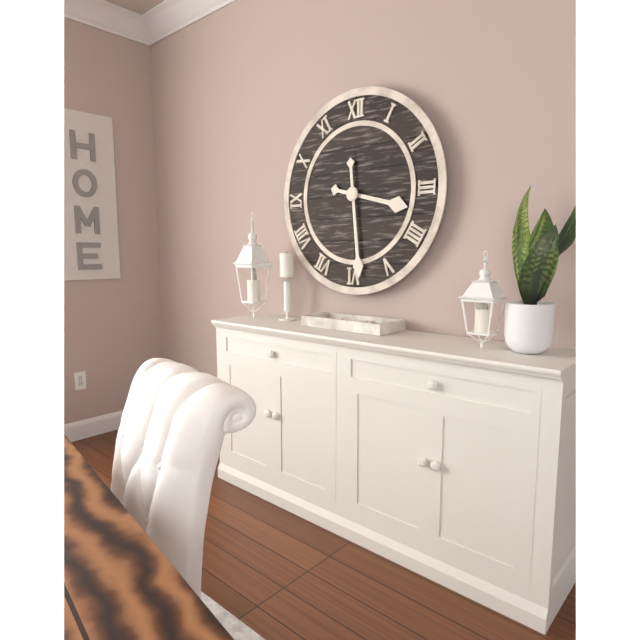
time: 3:29
